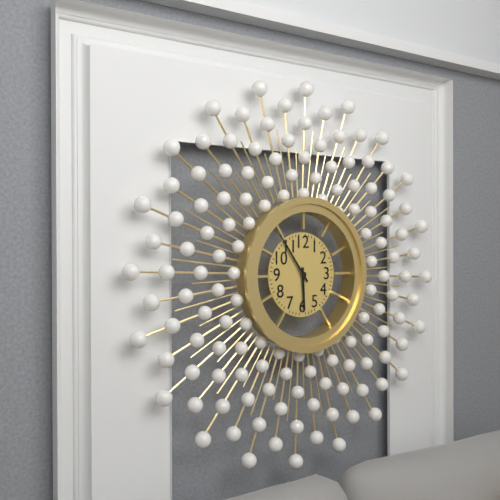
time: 5:54
